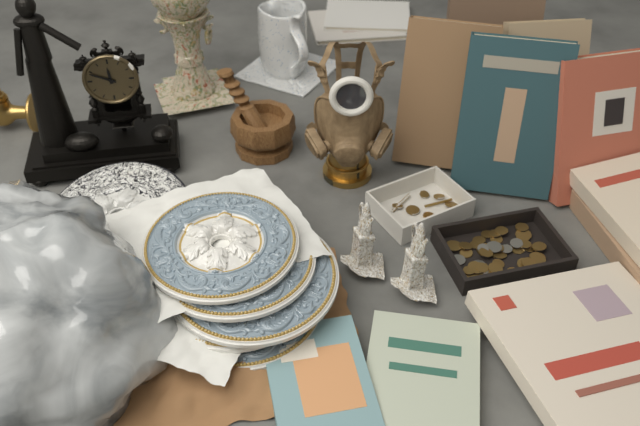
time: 11:49
